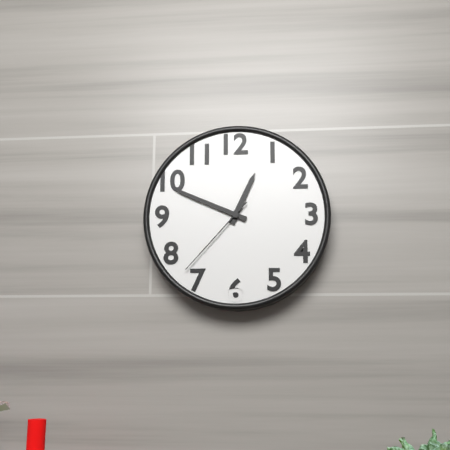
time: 12:49:37
